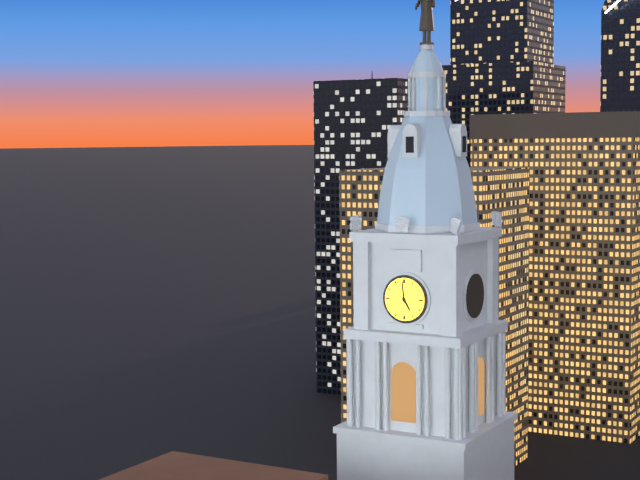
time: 4:59
